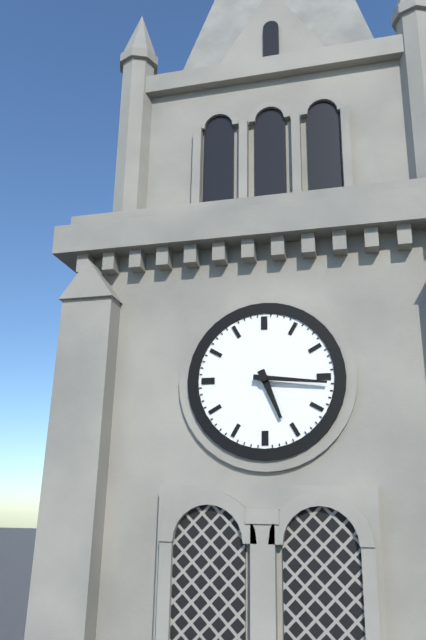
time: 5:16
